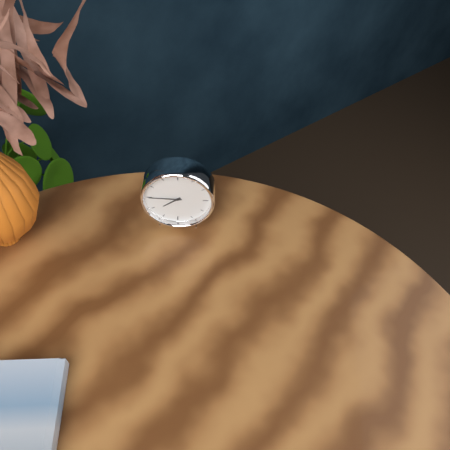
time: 7:45
